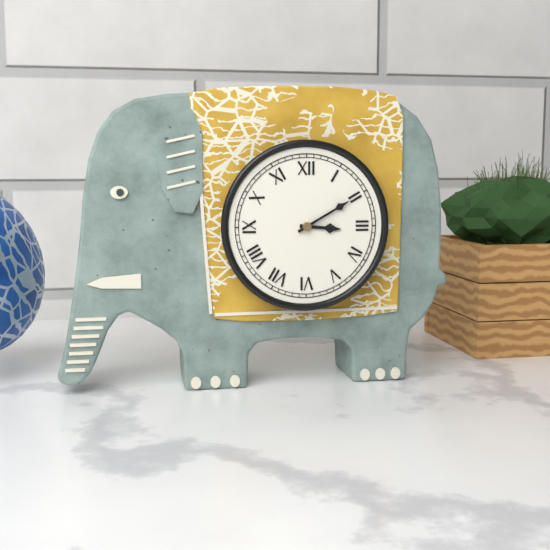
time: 3:10
